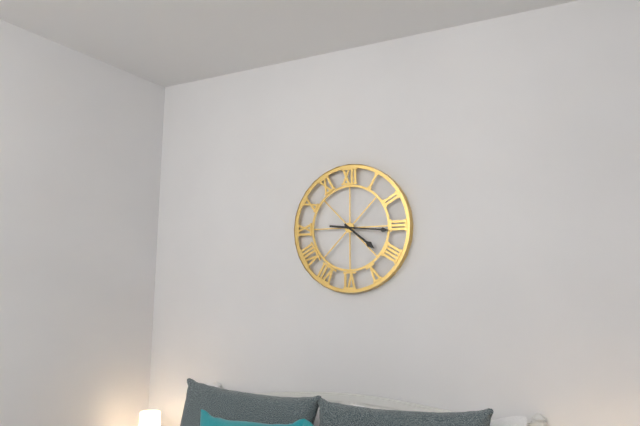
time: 4:16
